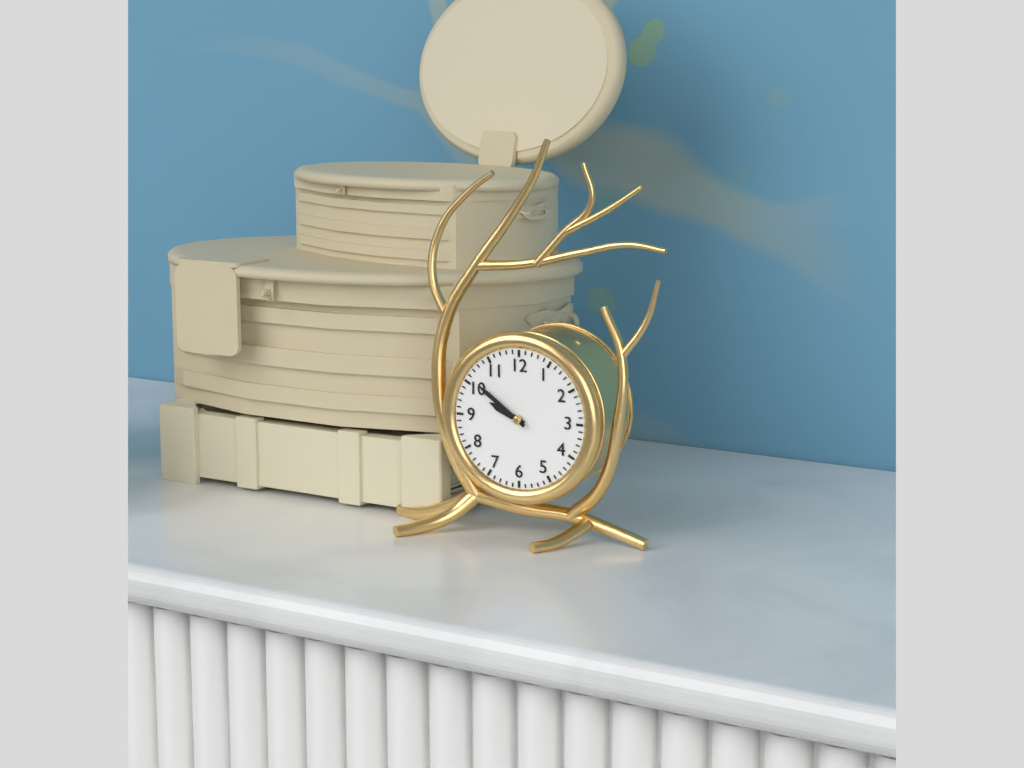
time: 9:51
